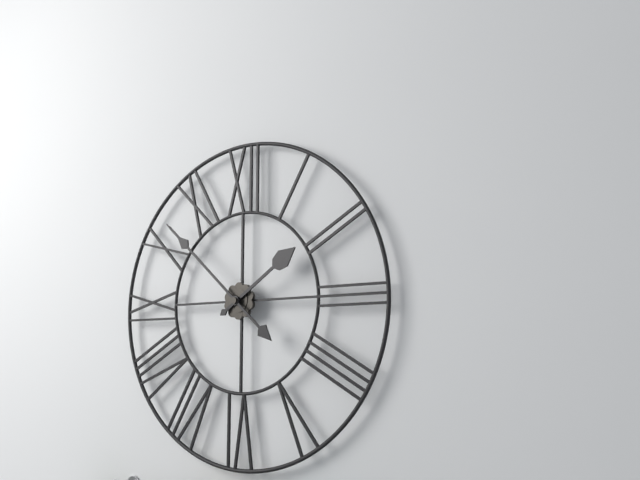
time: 1:52
